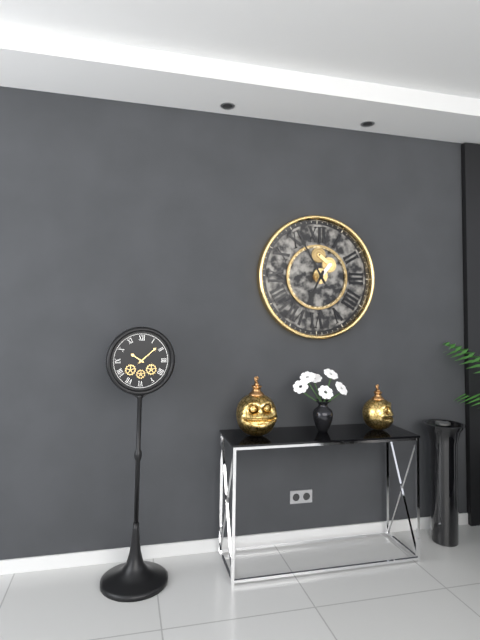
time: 6:55
